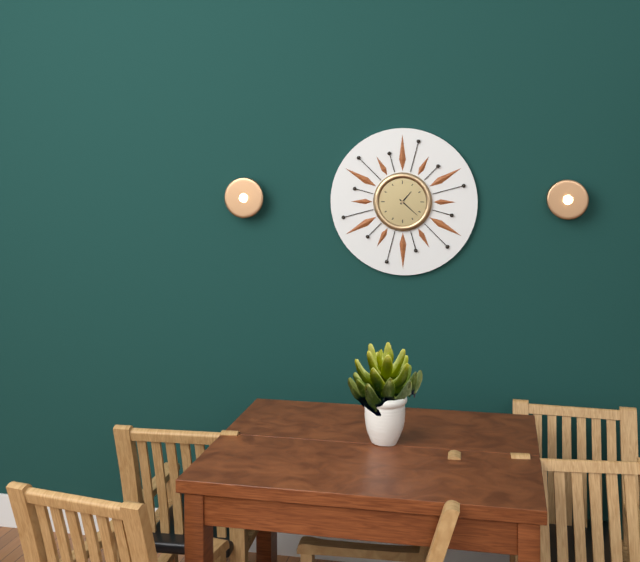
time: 1:22
